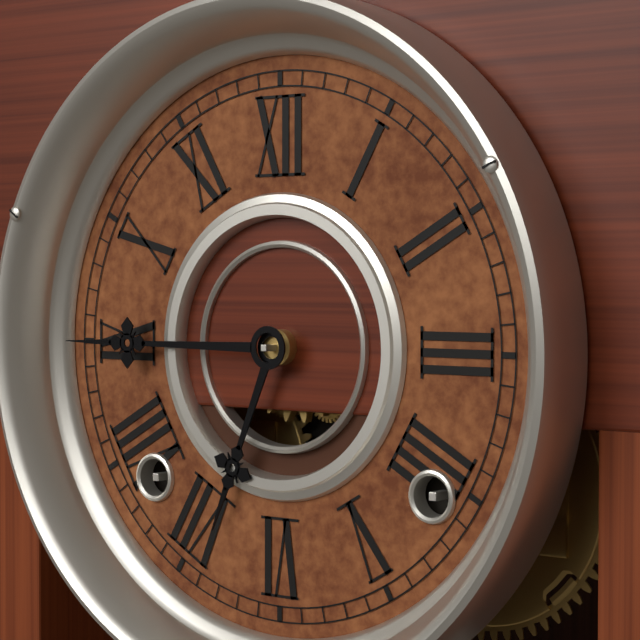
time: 6:45
